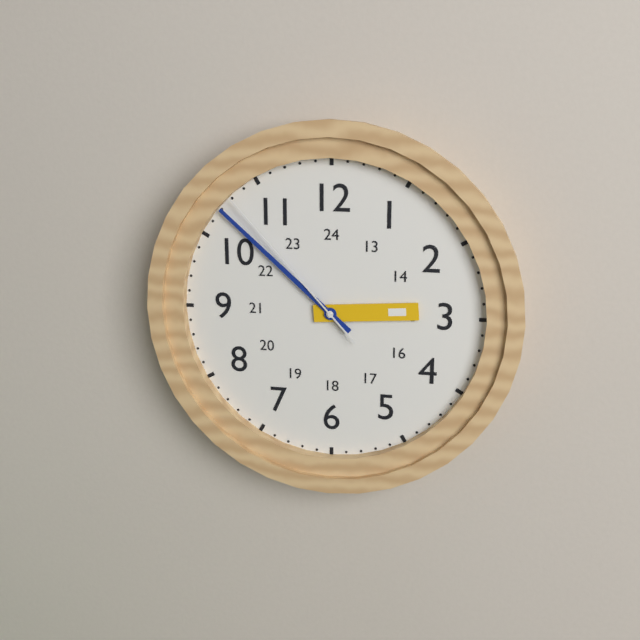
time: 2:52:53
